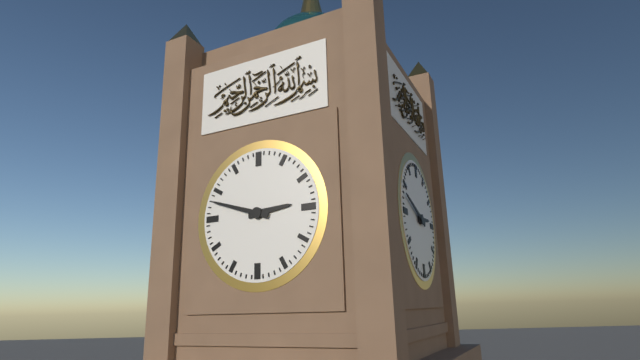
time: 2:48
